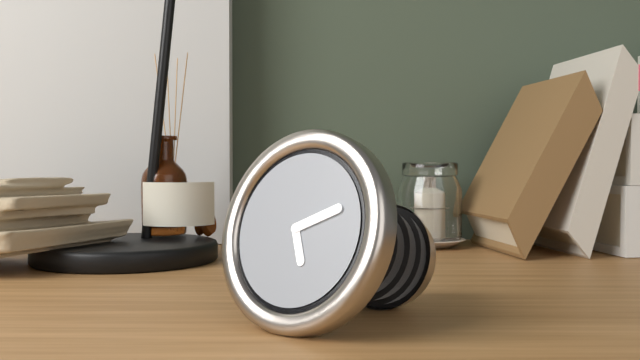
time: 5:11
